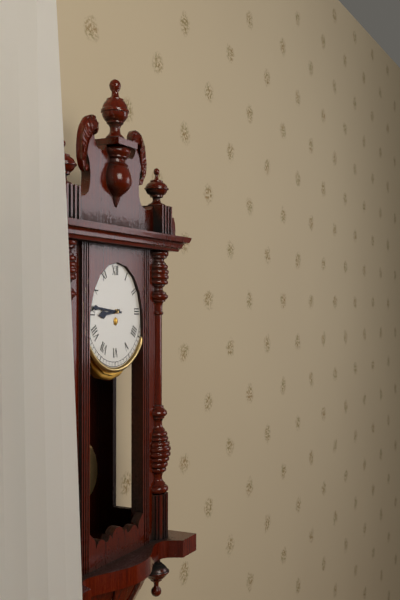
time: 8:46
